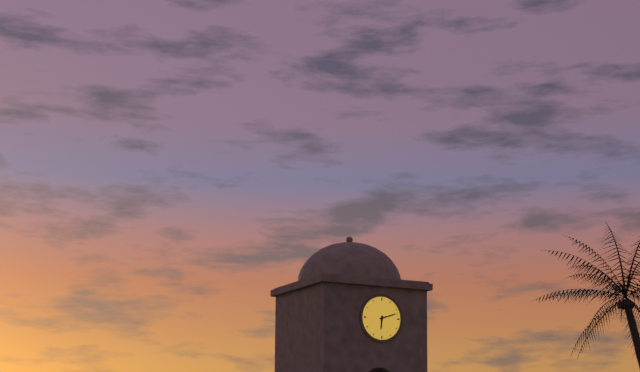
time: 6:12
